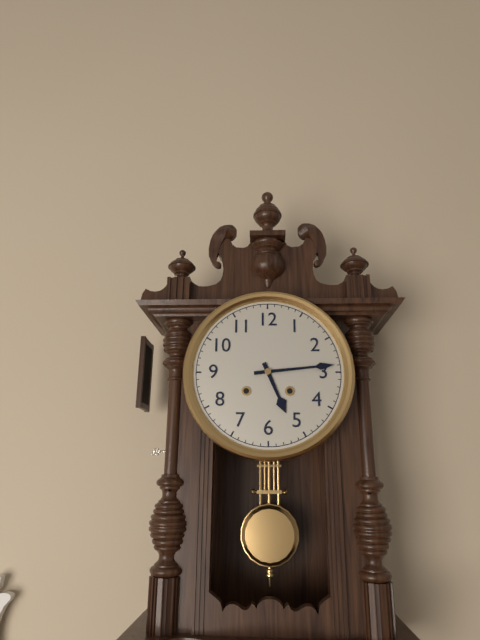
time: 5:14
